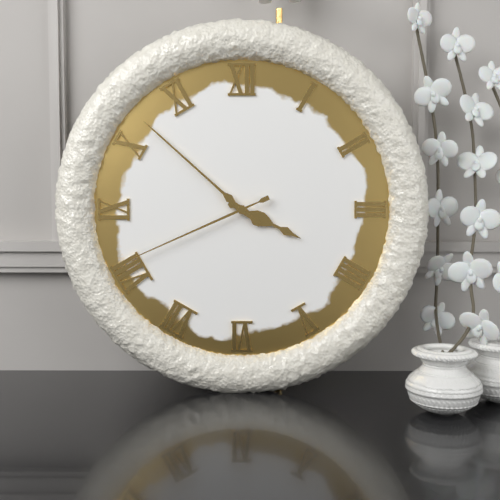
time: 3:52:41
